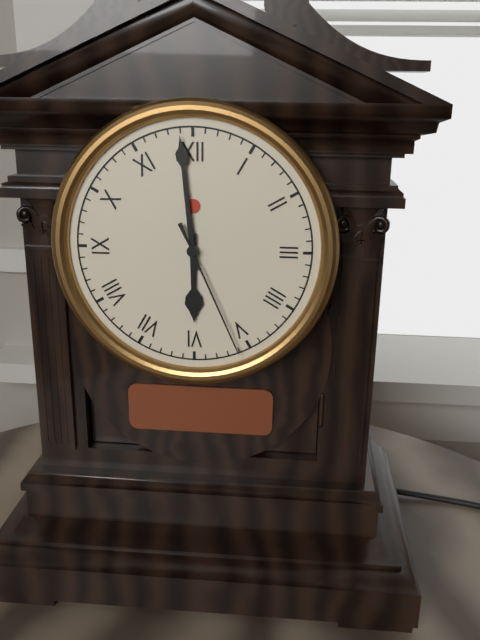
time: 5:59:26
